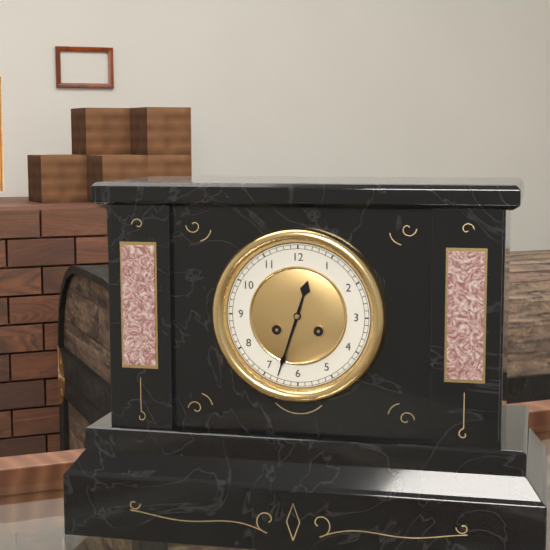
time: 12:33
